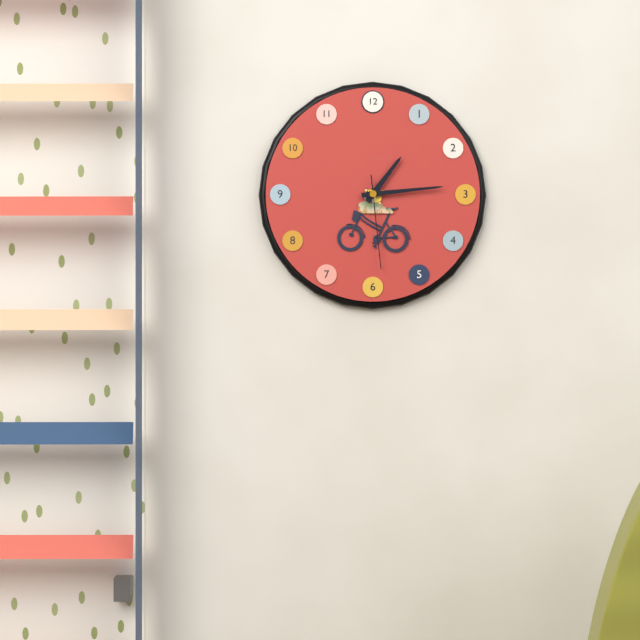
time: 1:14:29
